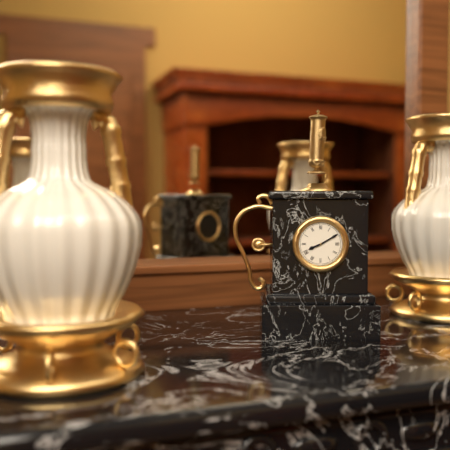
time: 8:10
